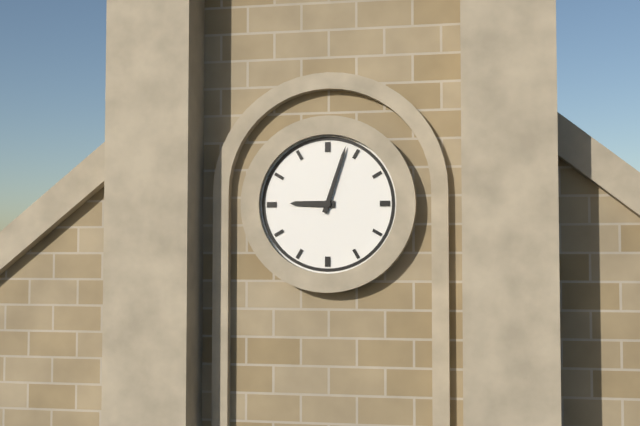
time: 9:03
